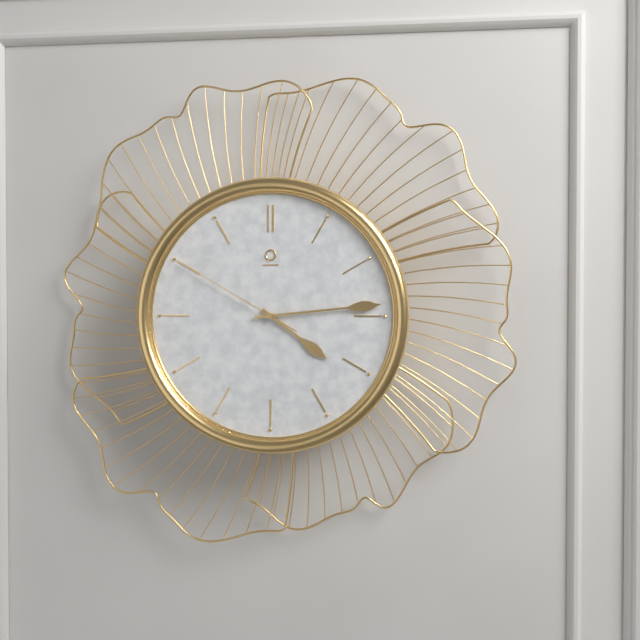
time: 4:14:50
